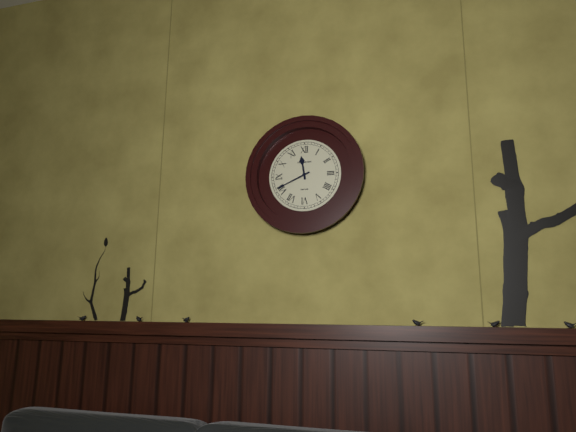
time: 11:41
